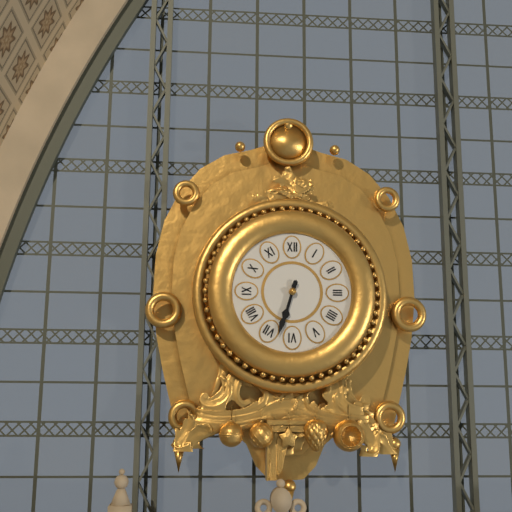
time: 6:33
